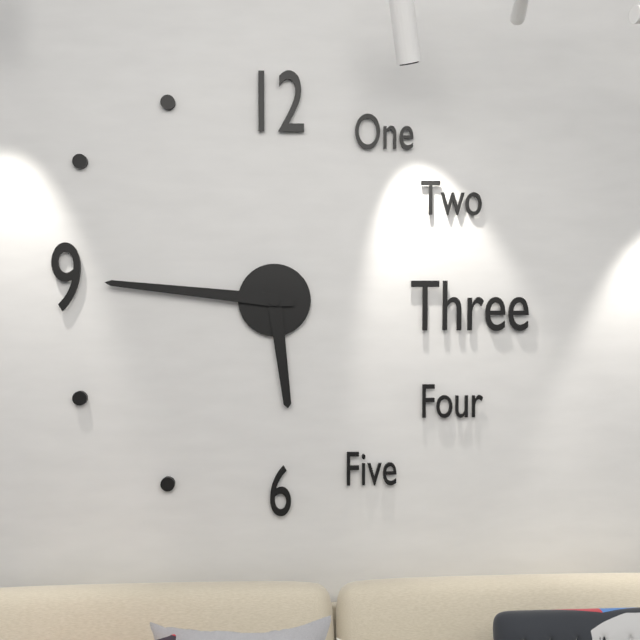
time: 5:46
